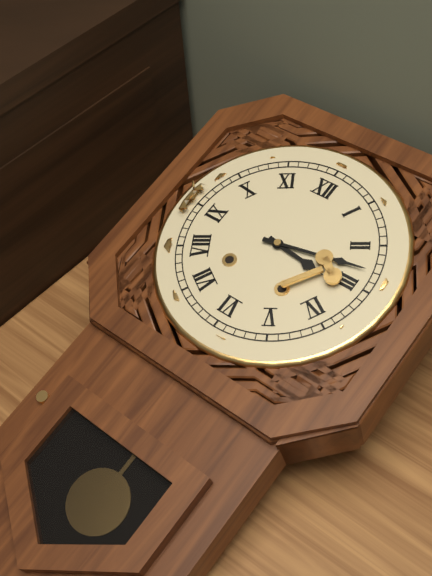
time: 3:13
